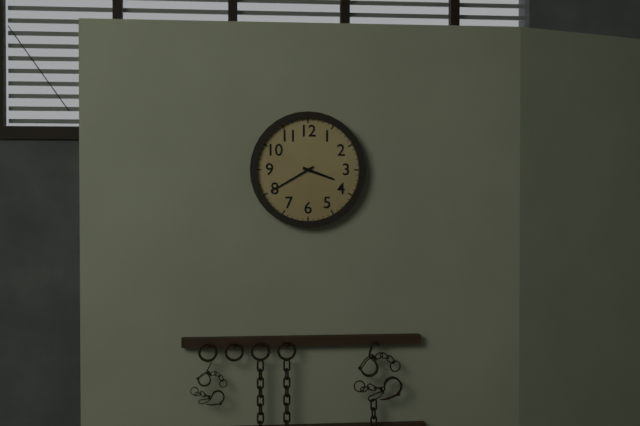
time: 3:40
